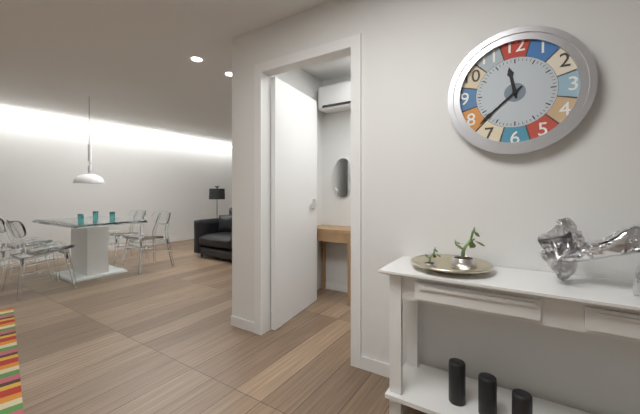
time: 11:38
